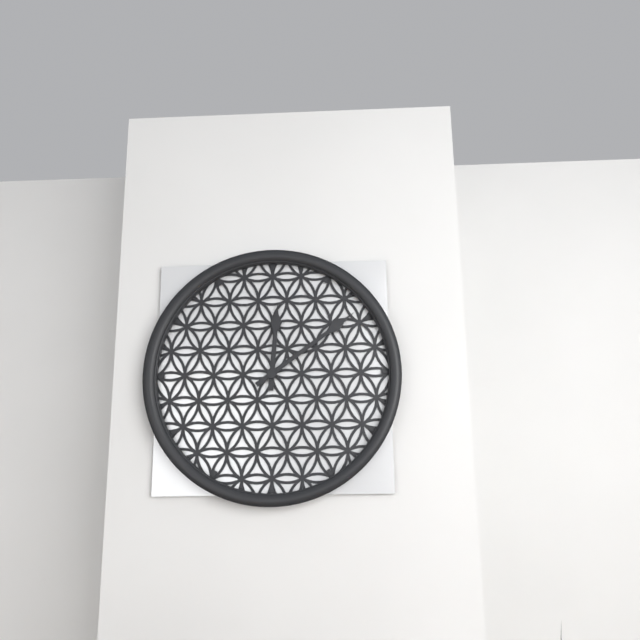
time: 12:09
